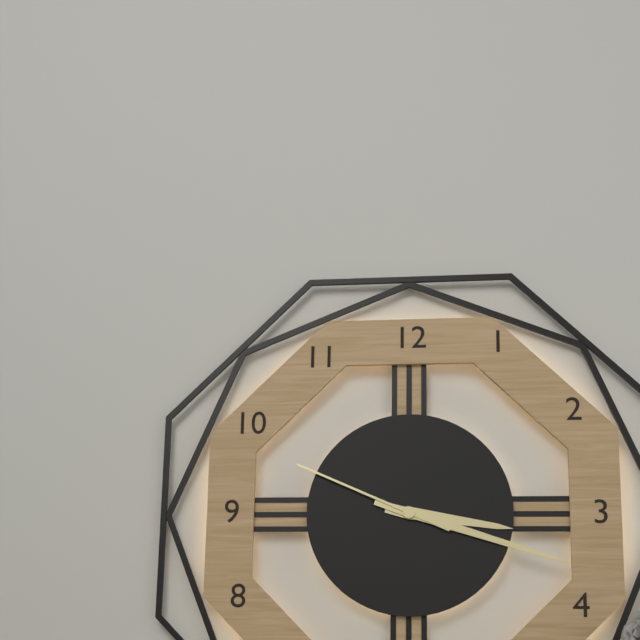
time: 3:18:49
